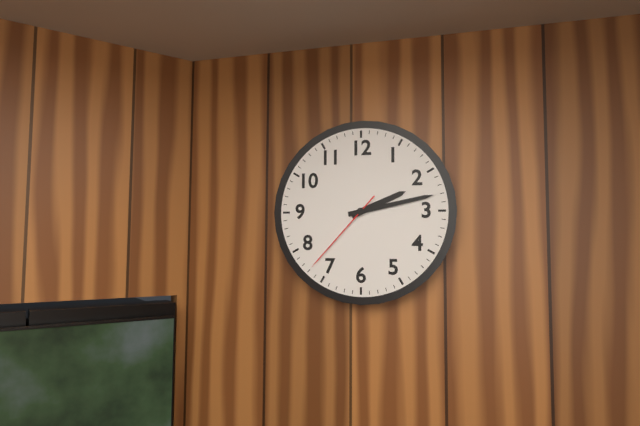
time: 2:13:37
